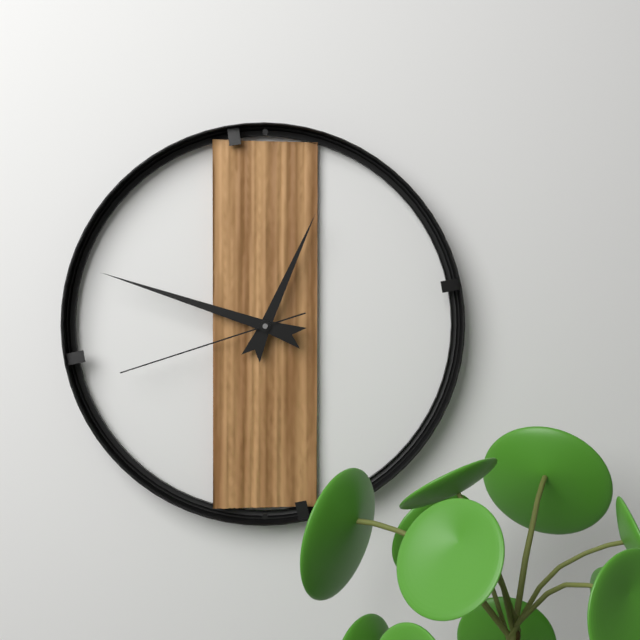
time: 12:48:42
